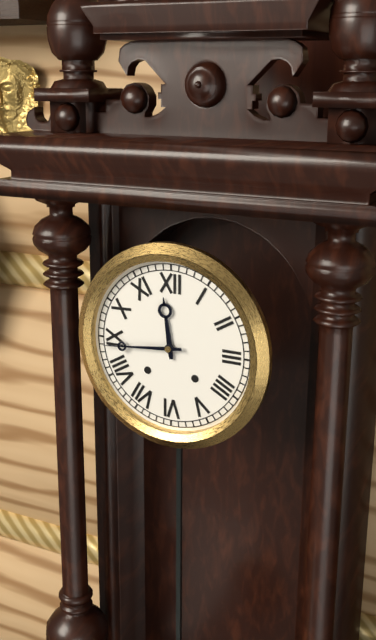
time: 11:44
